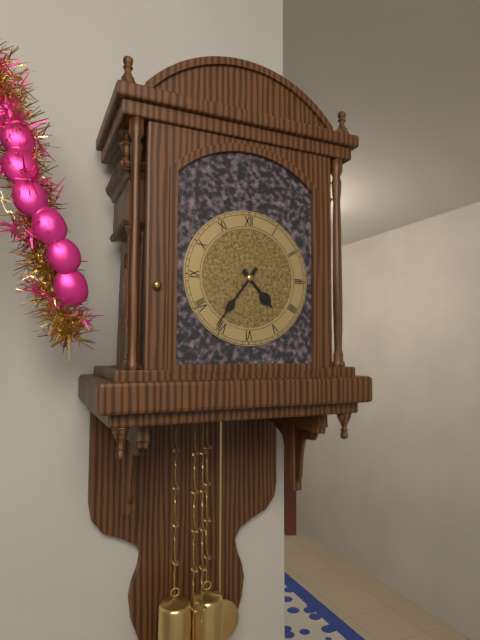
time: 4:36
